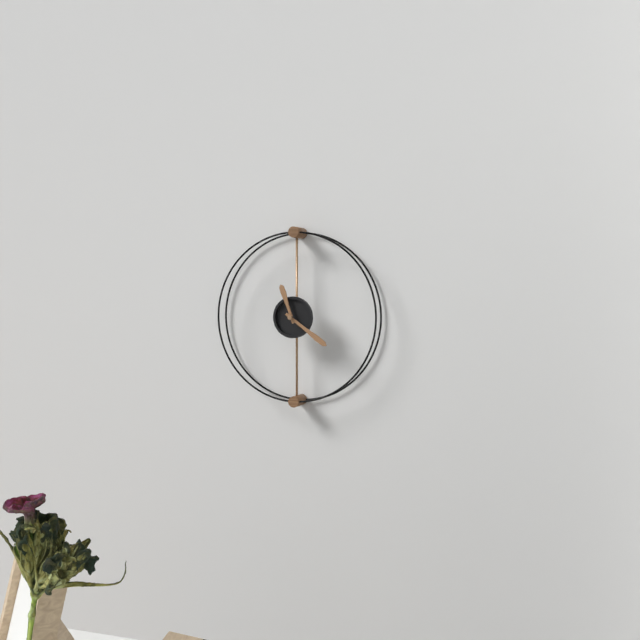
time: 11:21
